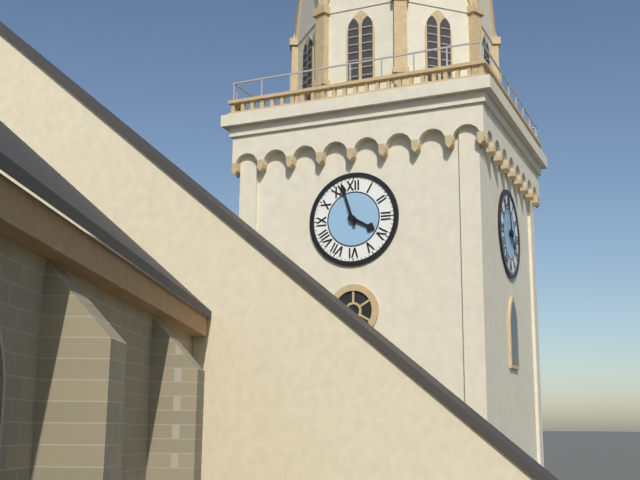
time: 3:57
